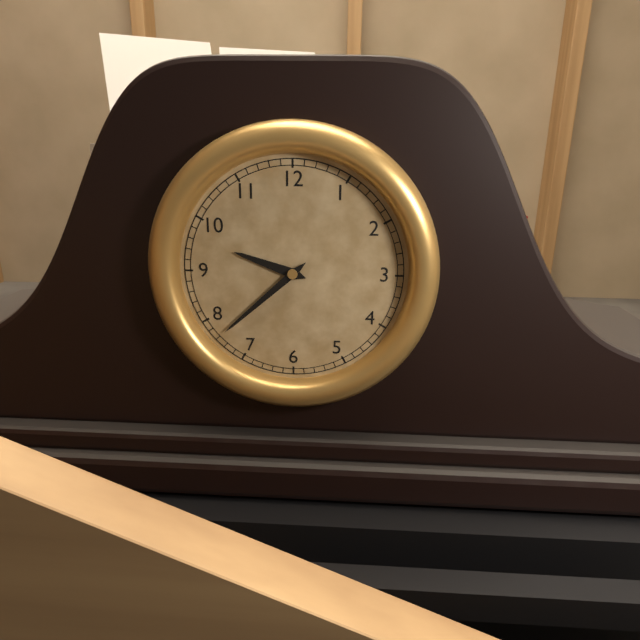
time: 9:38
